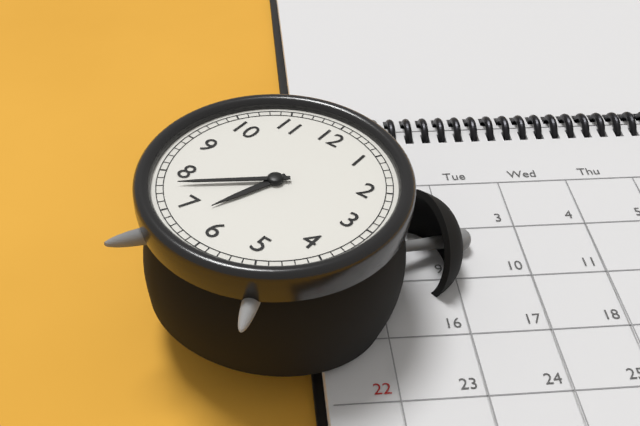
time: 6:38
